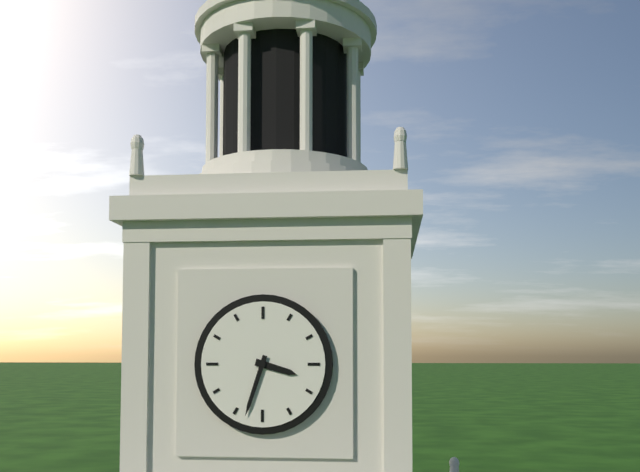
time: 3:33
